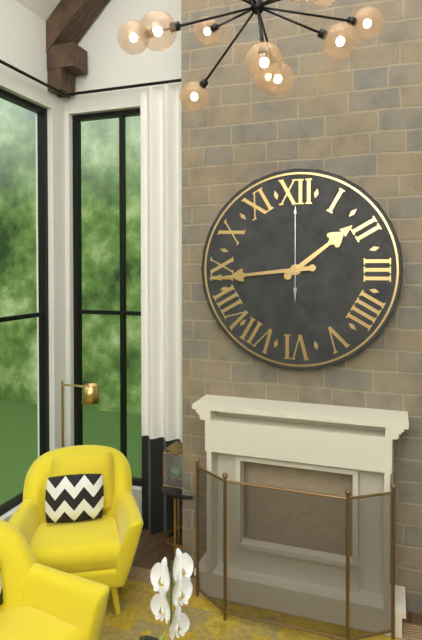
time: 1:44:00
